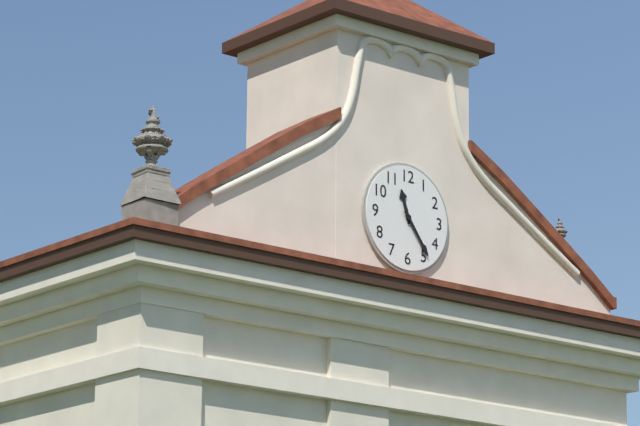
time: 11:24
